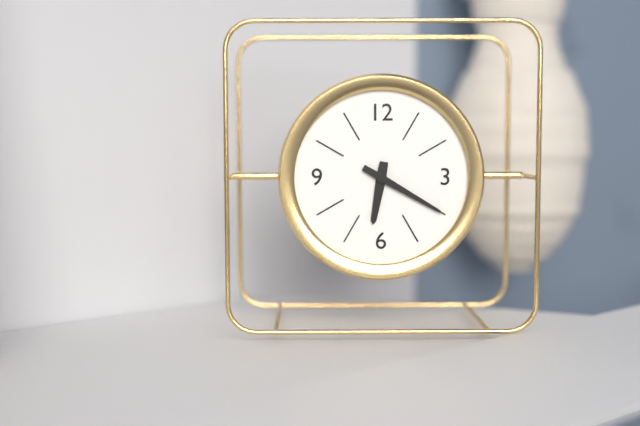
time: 6:20
